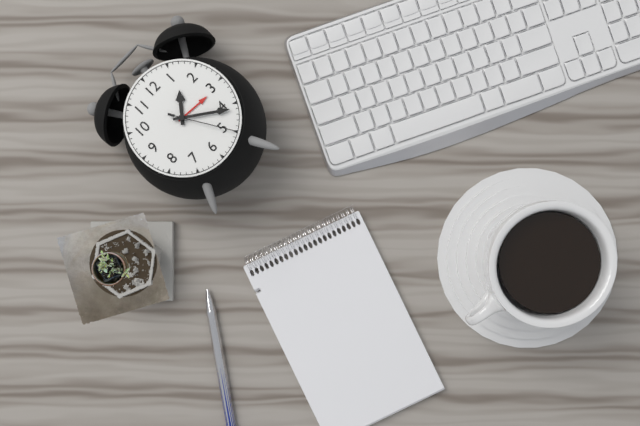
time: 1:21:25
